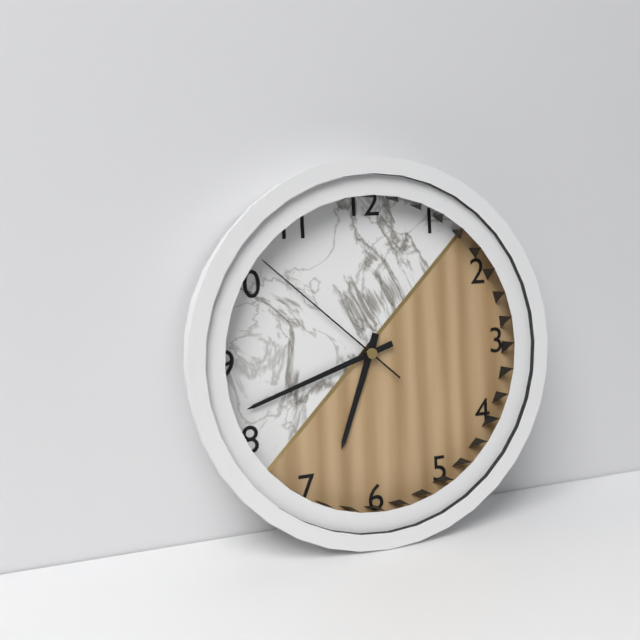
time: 6:42:52
